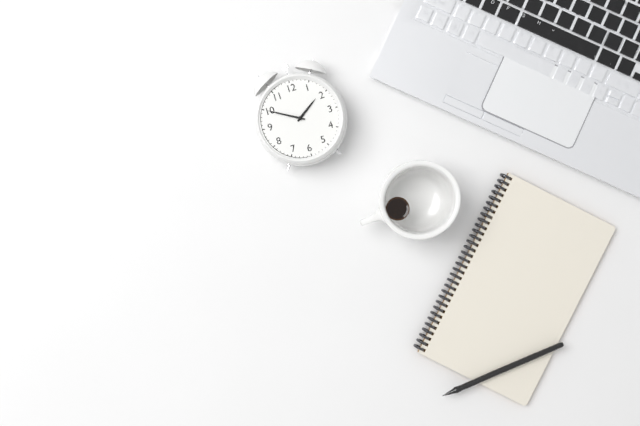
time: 1:50
